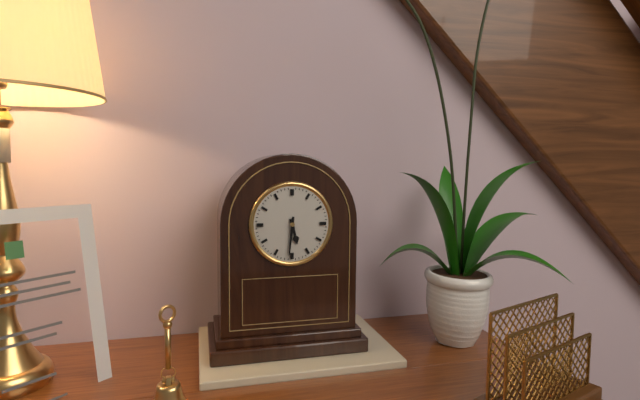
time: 5:31
